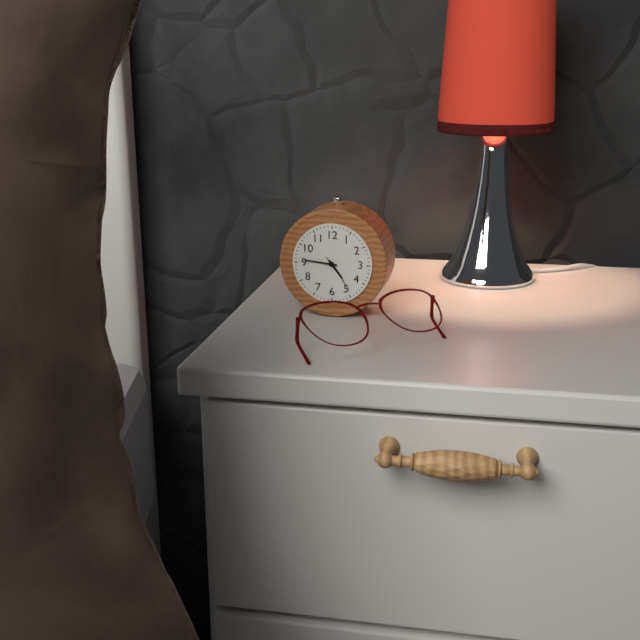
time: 4:46
